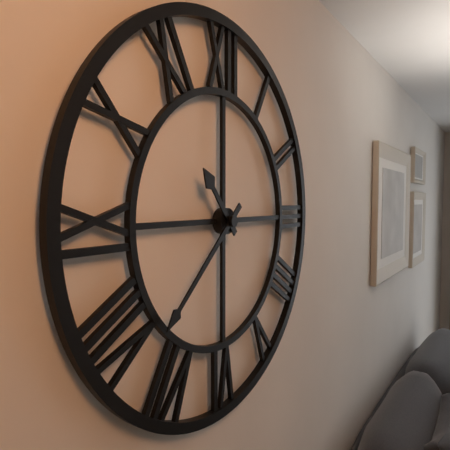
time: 10:38
